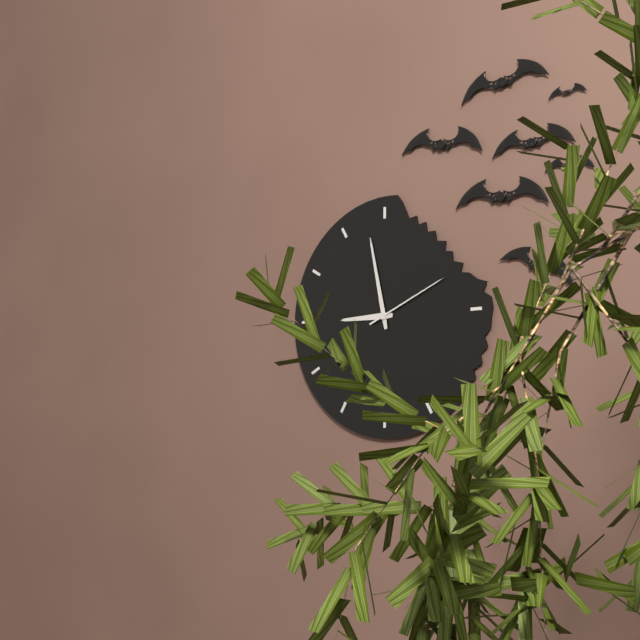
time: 8:58:11
